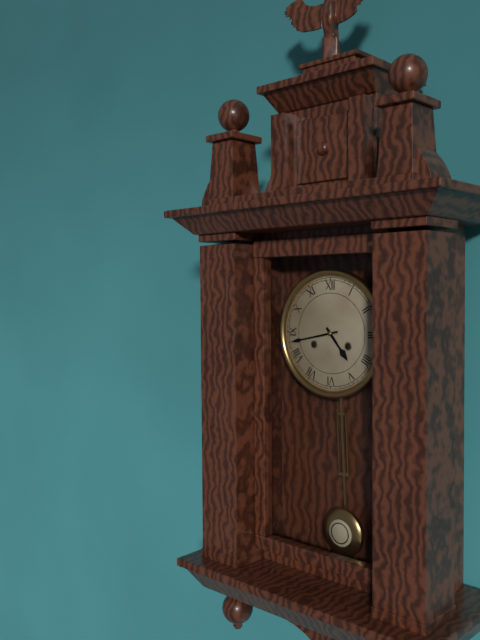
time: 4:43
